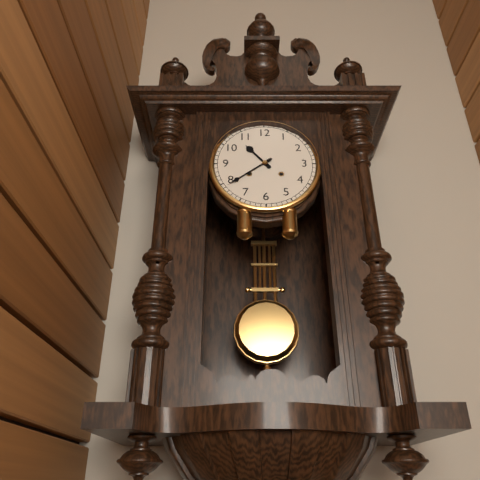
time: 10:39
